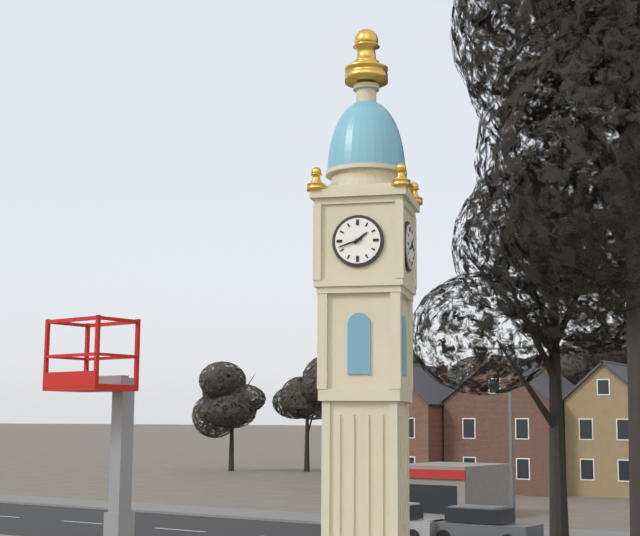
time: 1:42
